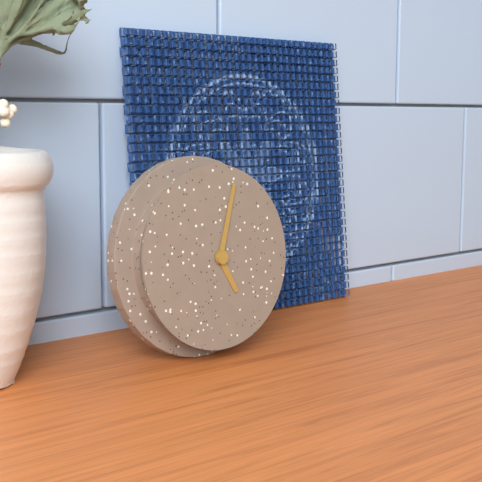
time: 5:03
